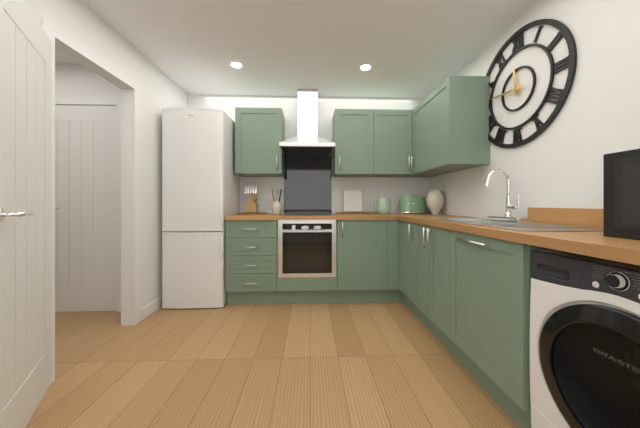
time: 11:46
